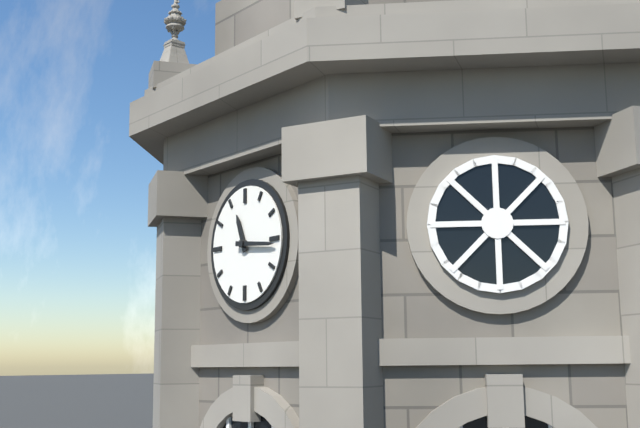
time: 11:16
